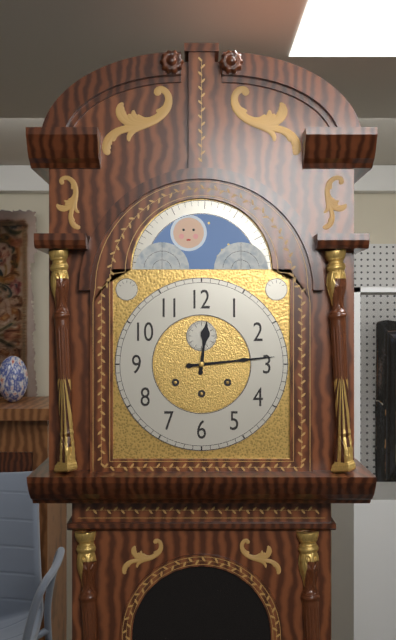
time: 12:14
